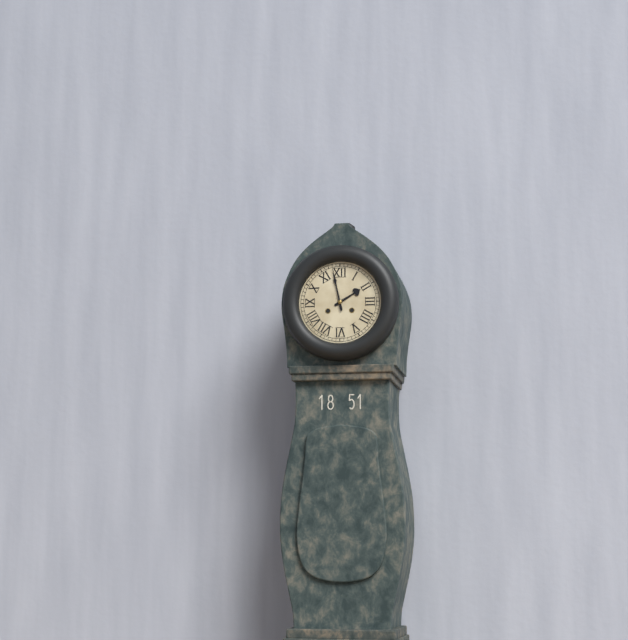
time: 1:58
